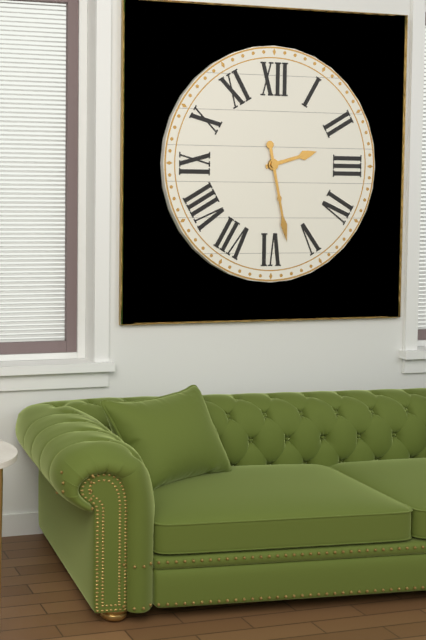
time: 2:28
